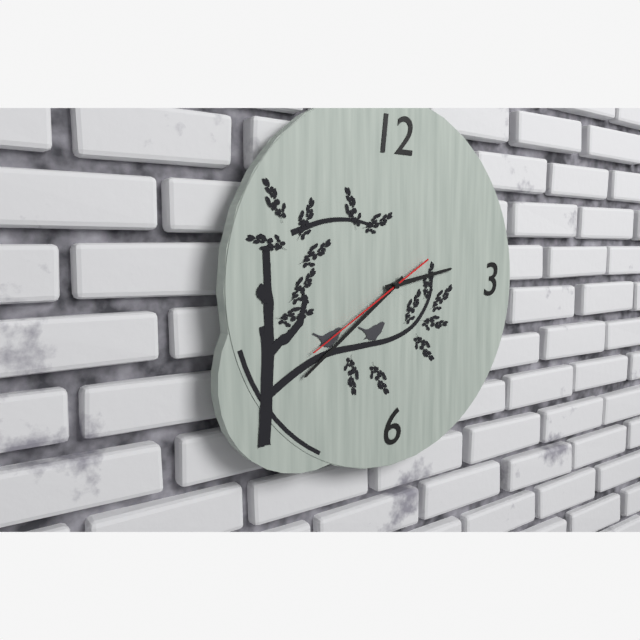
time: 2:39:40
